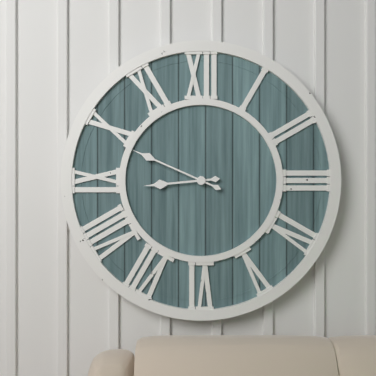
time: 8:49
